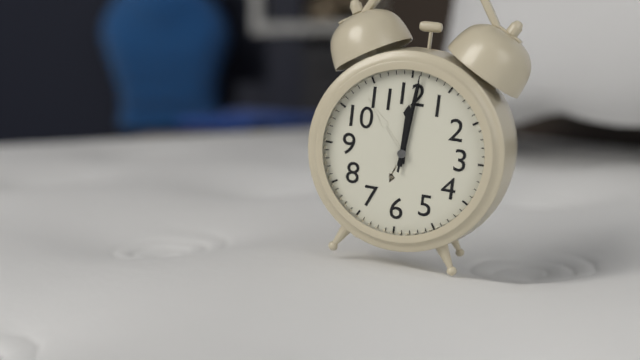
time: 12:01:01
